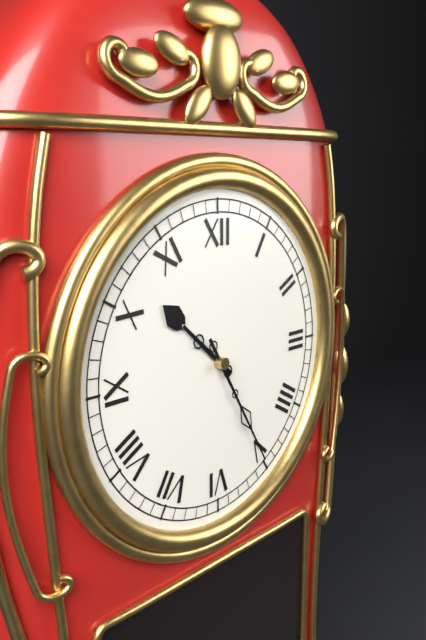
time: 10:25
